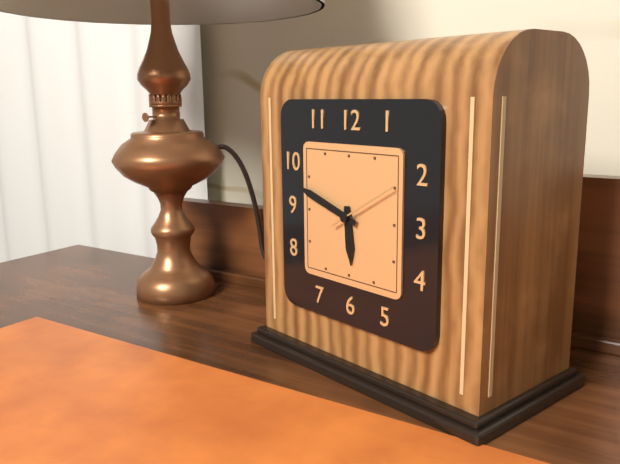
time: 5:48:10
